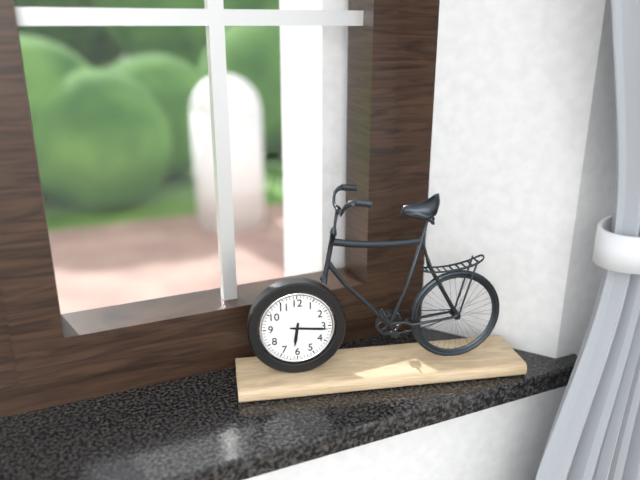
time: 6:16
